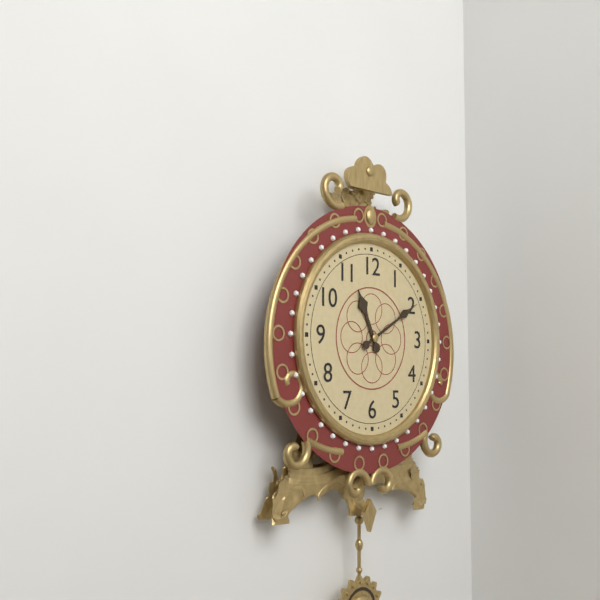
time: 11:10
